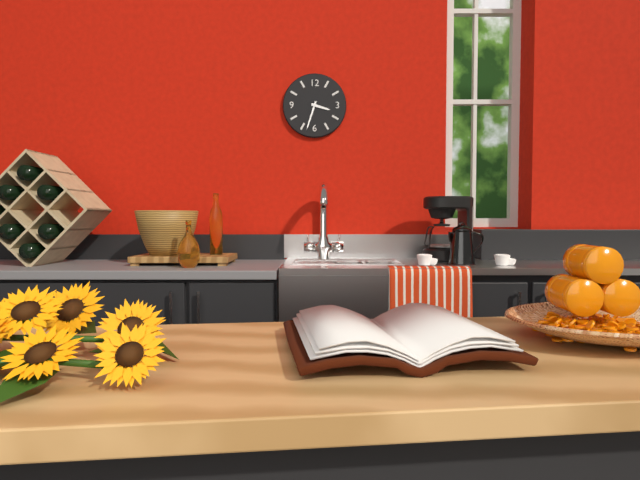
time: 3:33
